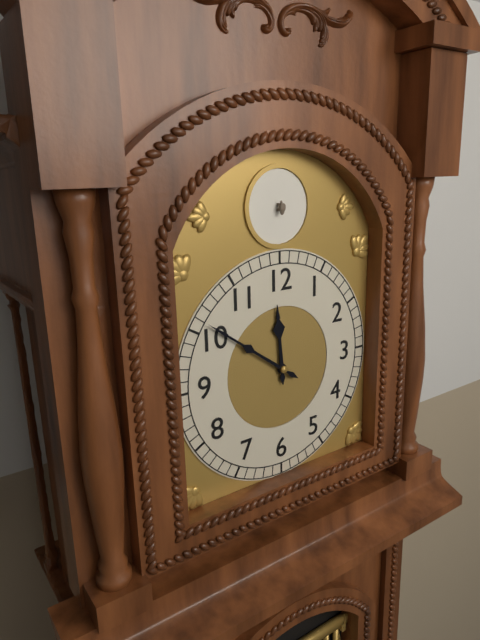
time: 11:51
